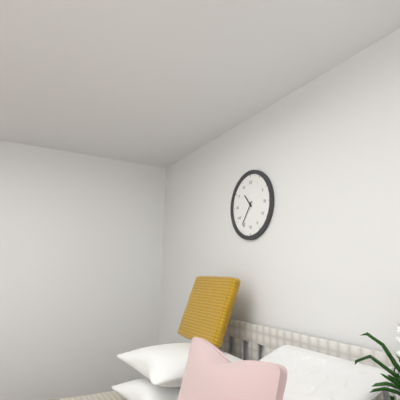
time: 10:36
